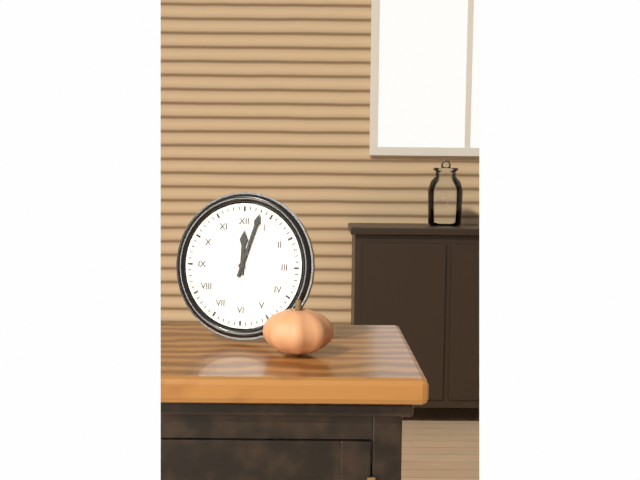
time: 12:03
